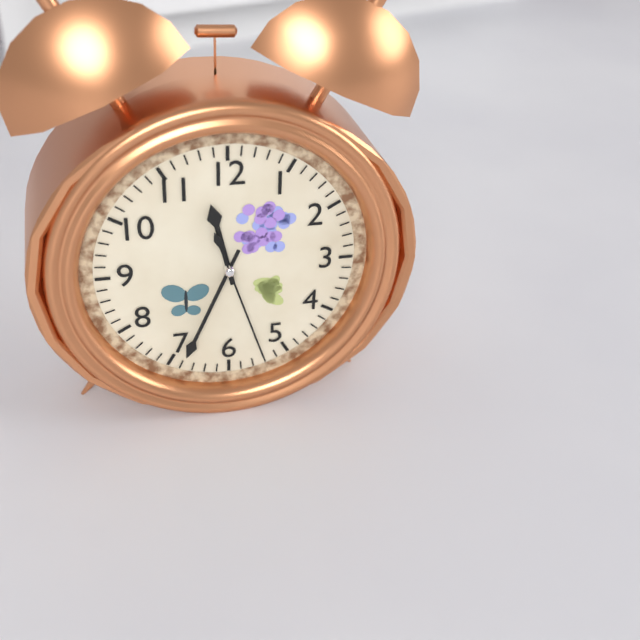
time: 11:34:27
